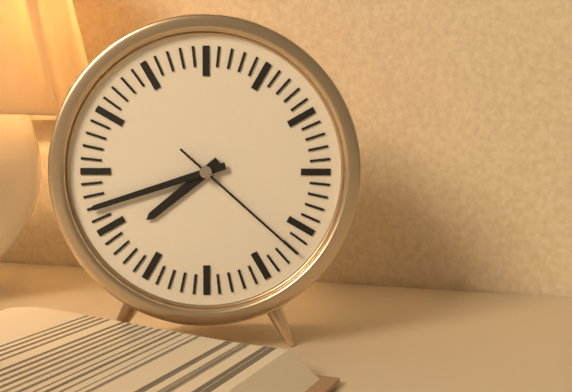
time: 7:42:22
